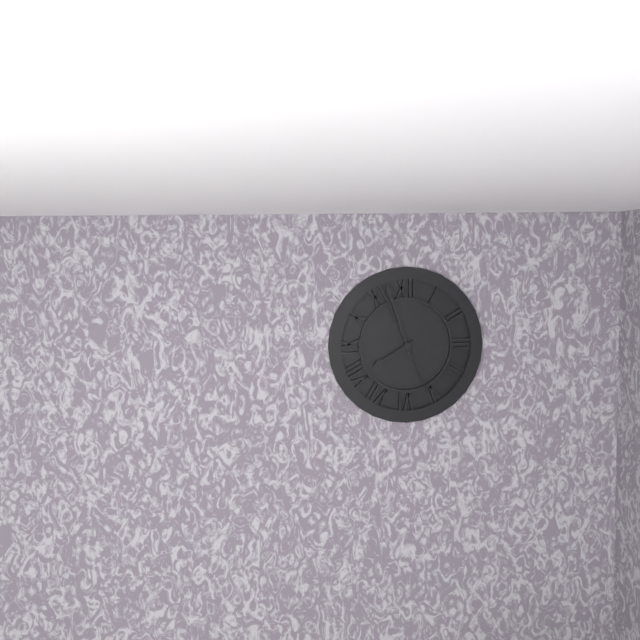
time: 7:57:26
